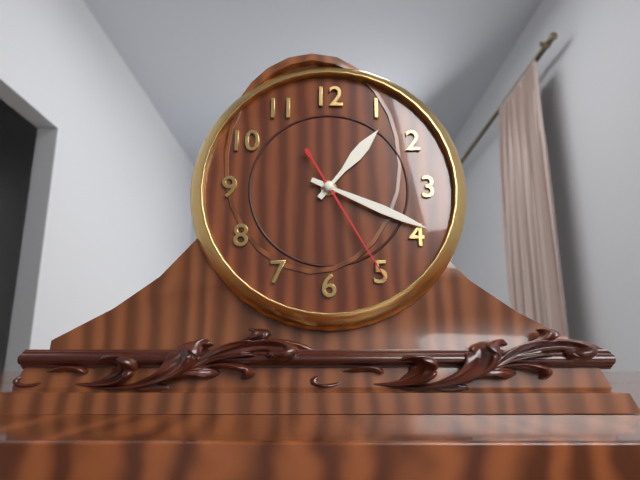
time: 1:19:25
